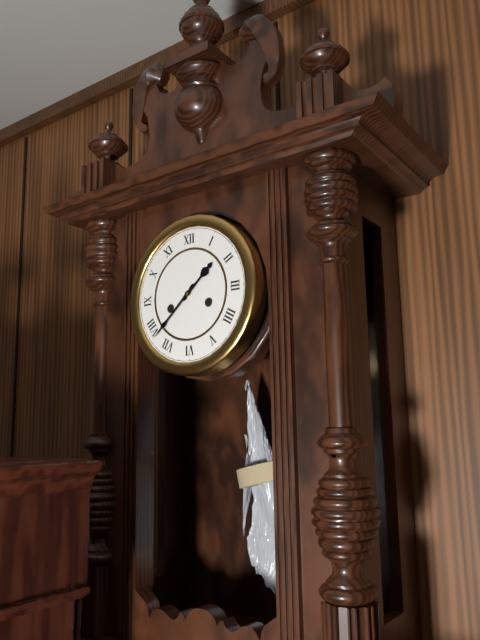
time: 1:38
